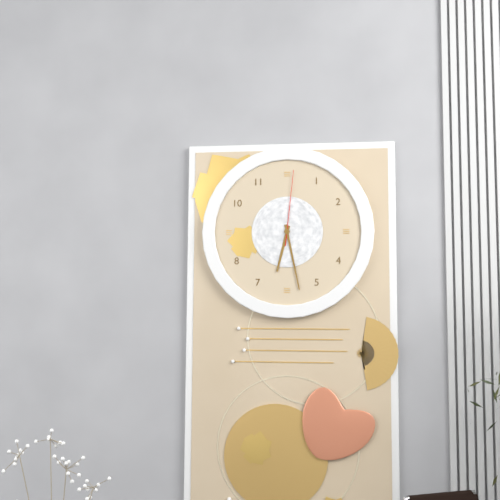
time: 6:28:01
